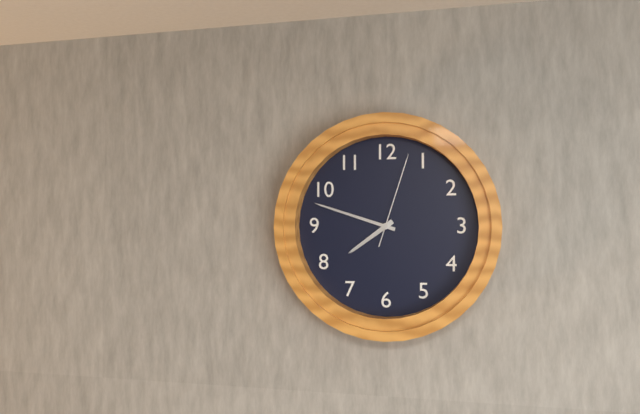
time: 7:48:03
